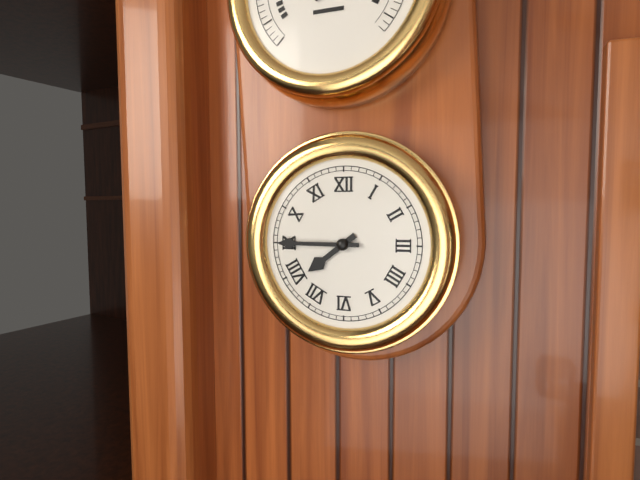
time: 7:45
